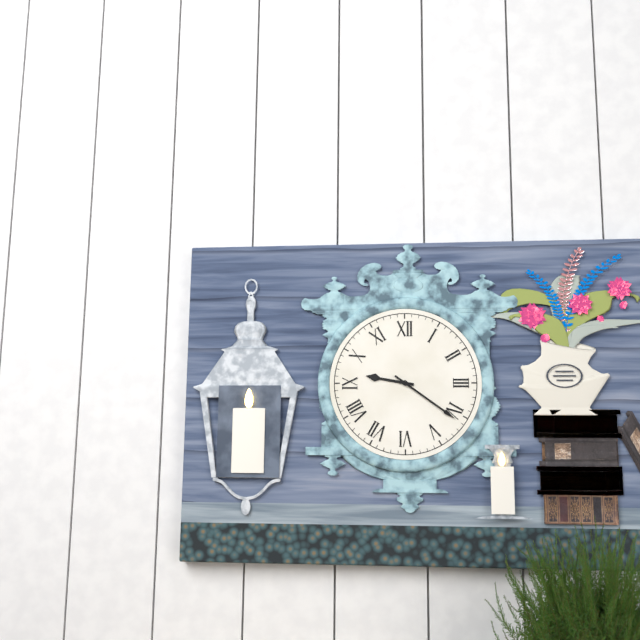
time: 9:21
